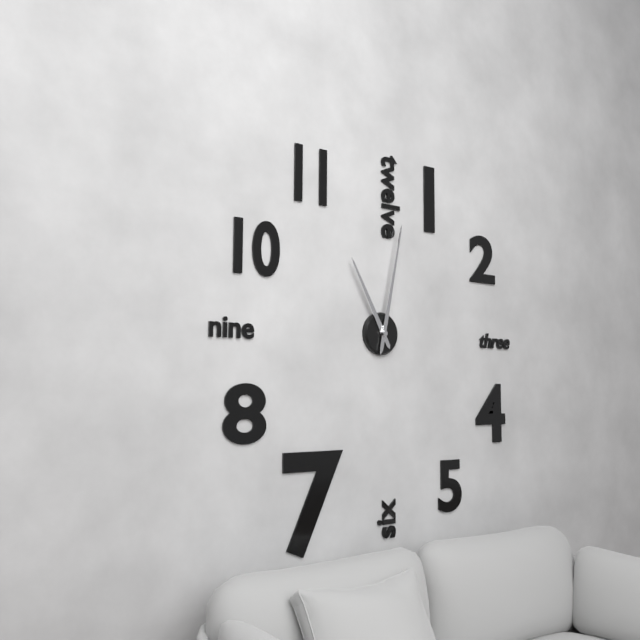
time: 11:02
